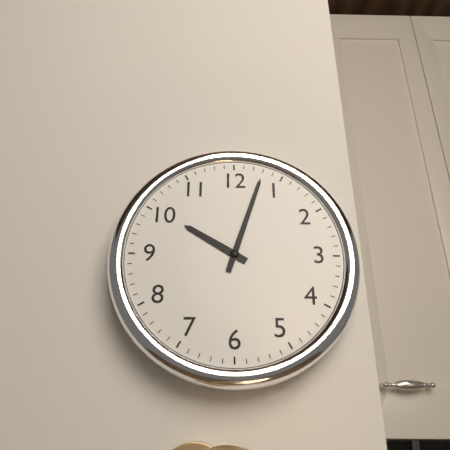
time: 10:03
